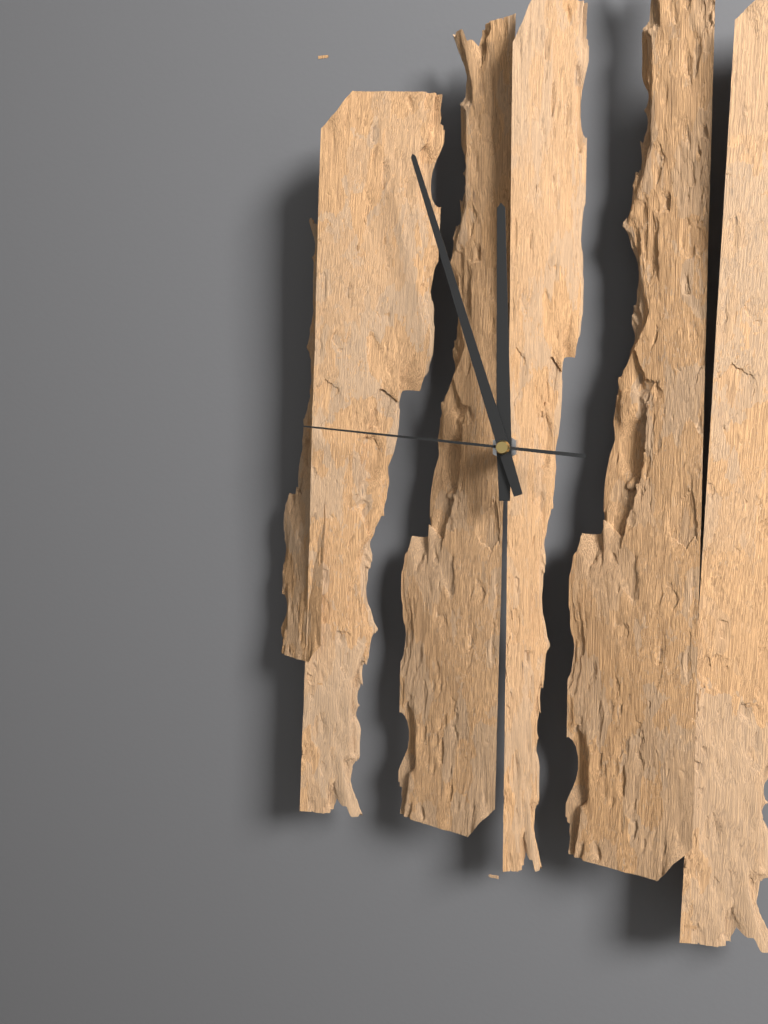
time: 11:57:46
